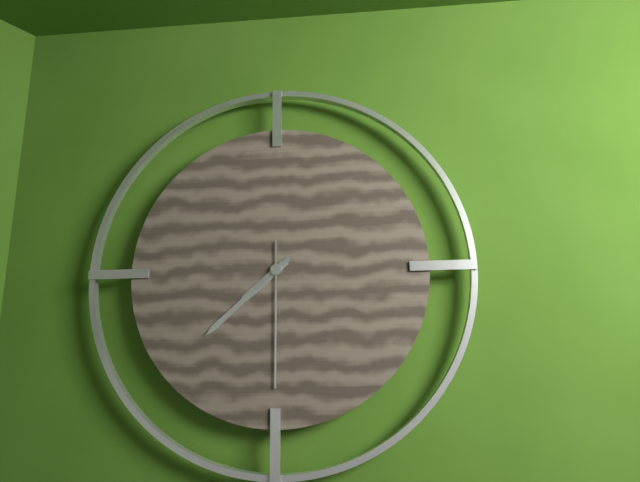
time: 7:38:30
